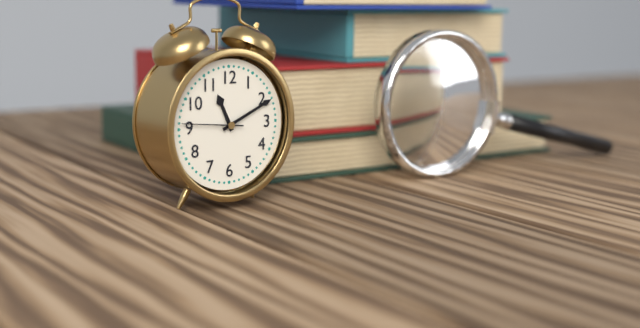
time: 11:11:46
